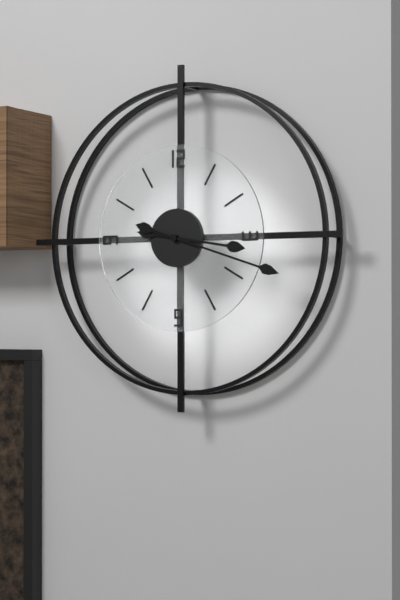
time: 3:18
